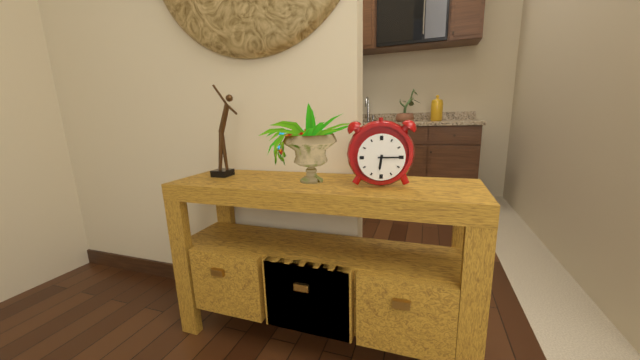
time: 6:15
